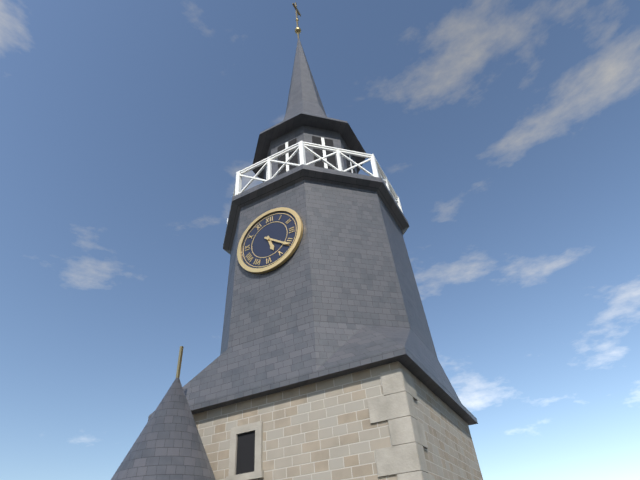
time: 5:21
